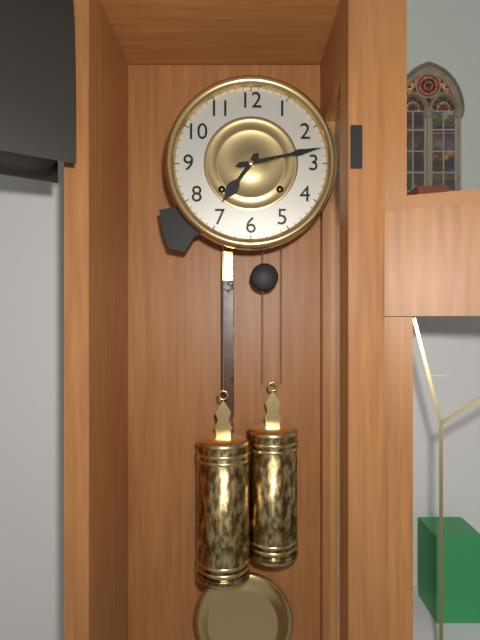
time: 7:13
